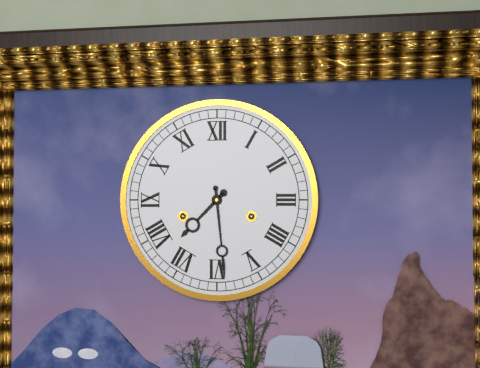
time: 7:29
